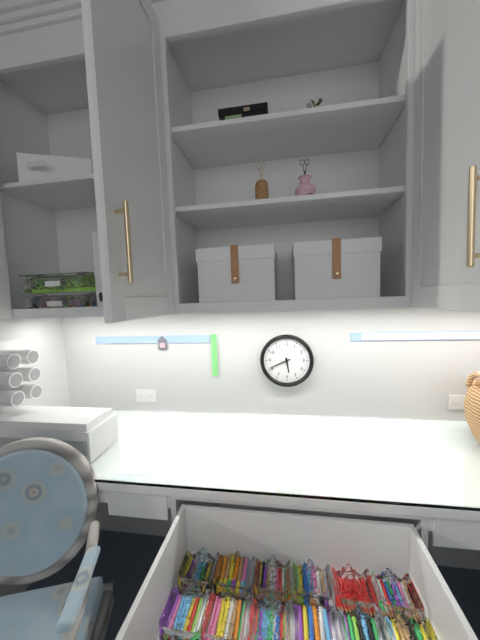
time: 5:41
